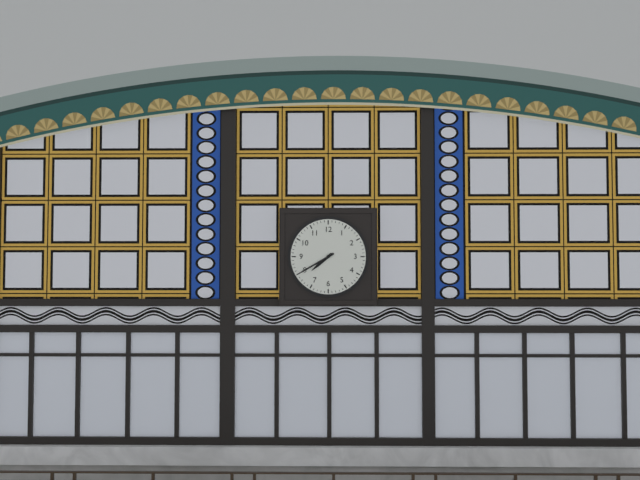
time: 7:40
